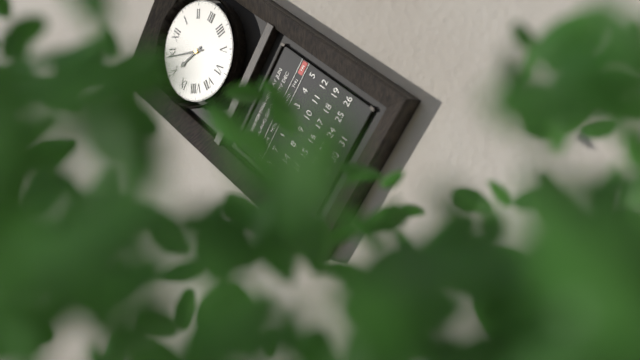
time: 9:54
